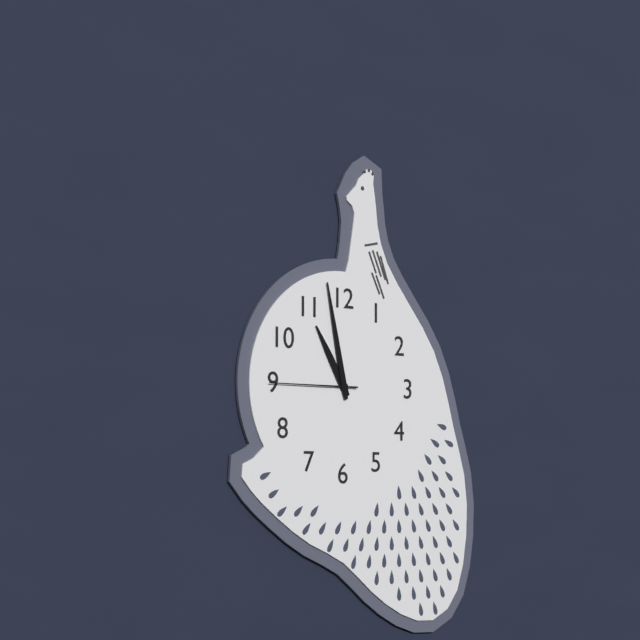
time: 10:58:45
